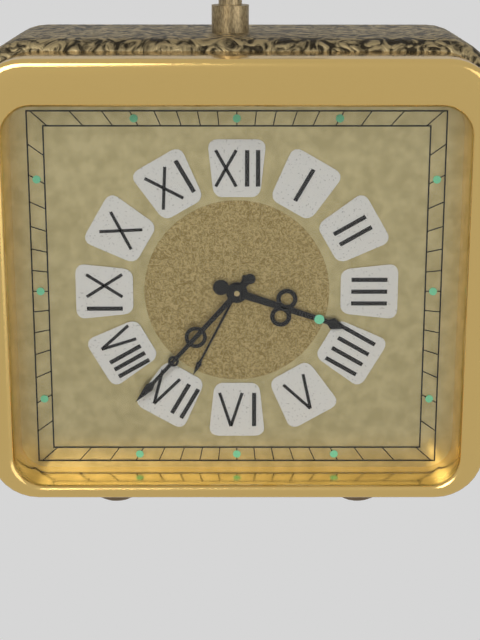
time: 3:37
